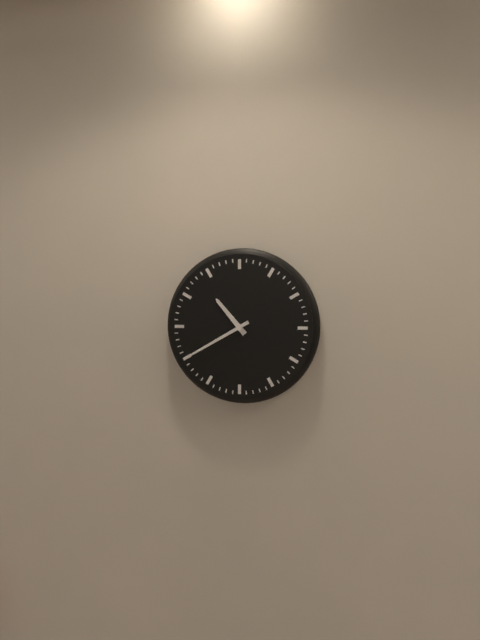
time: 10:40
